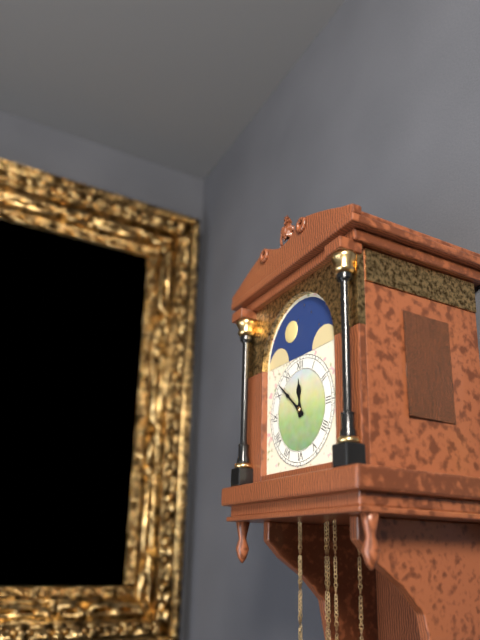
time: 11:52
